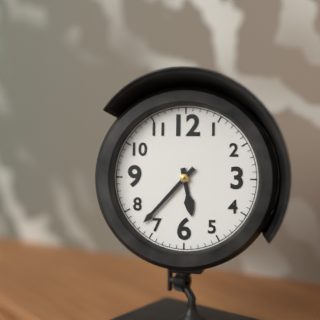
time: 5:37
